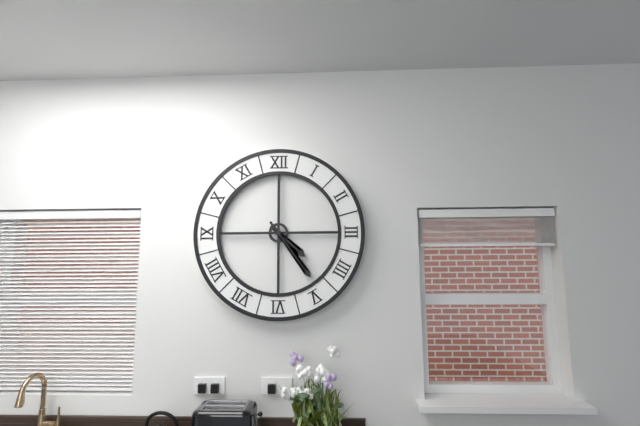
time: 4:24
